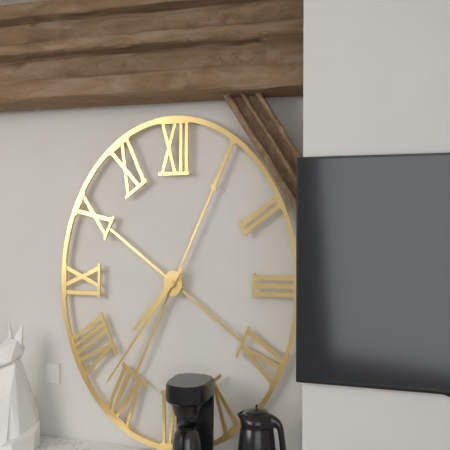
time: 7:37
